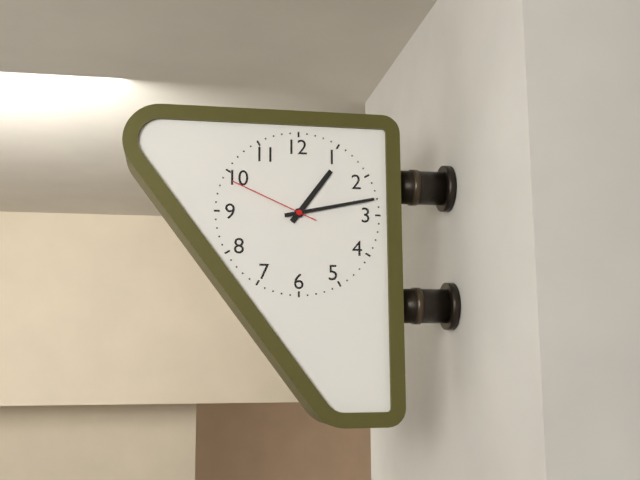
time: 1:13:49
